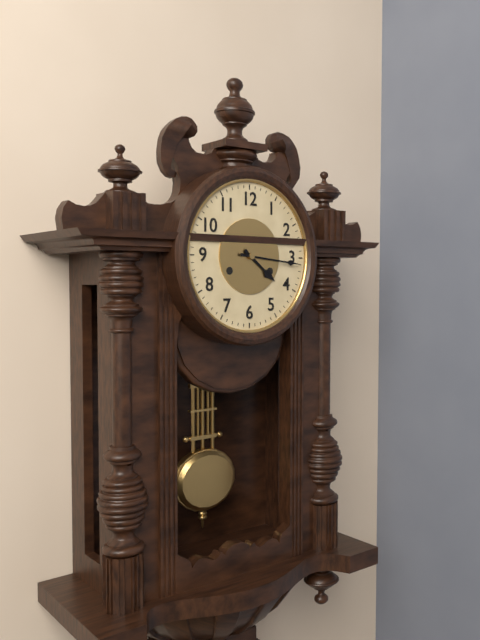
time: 4:16
